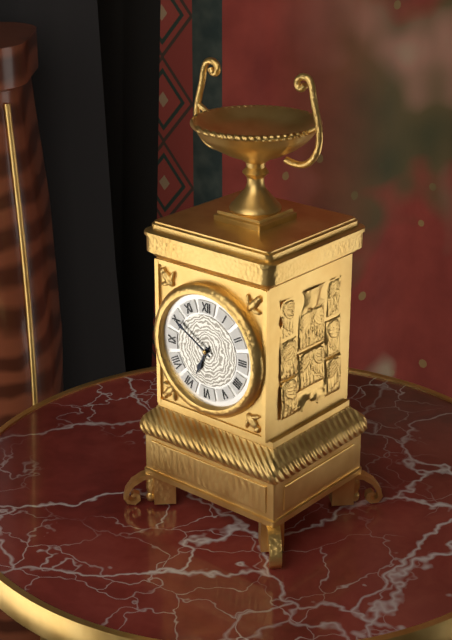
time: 6:50
